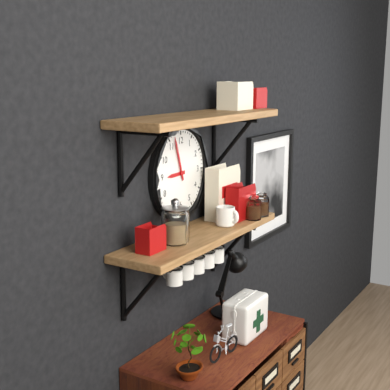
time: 8:57
